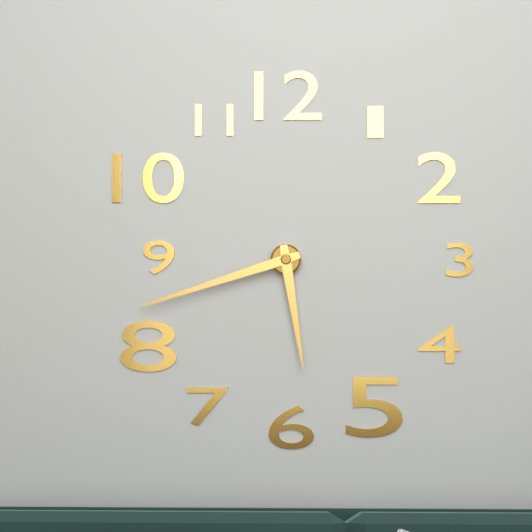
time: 5:42
